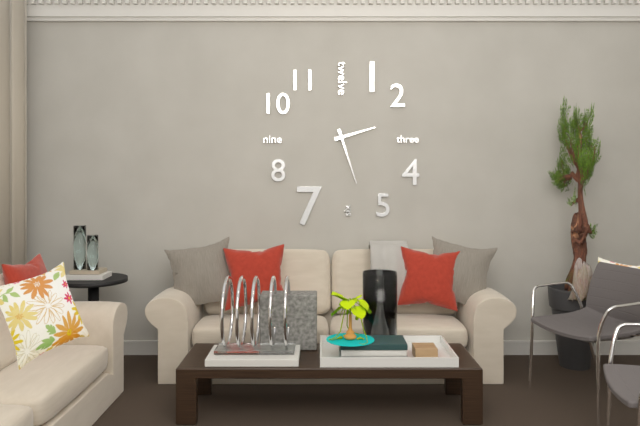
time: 2:27
